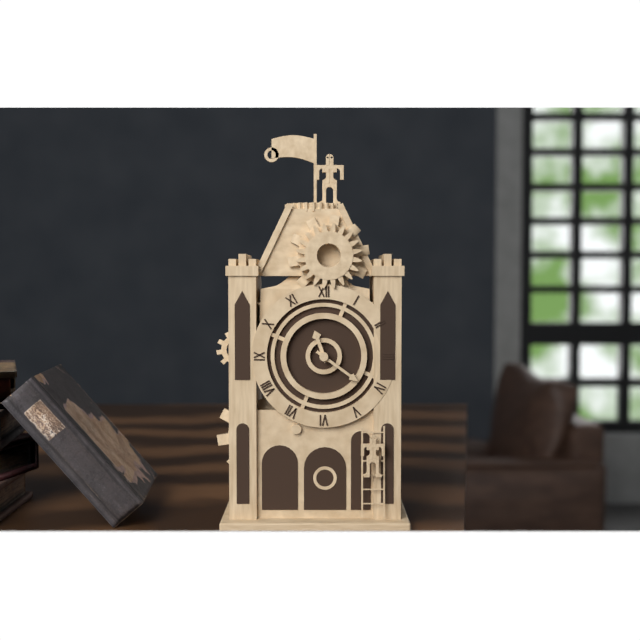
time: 11:21
